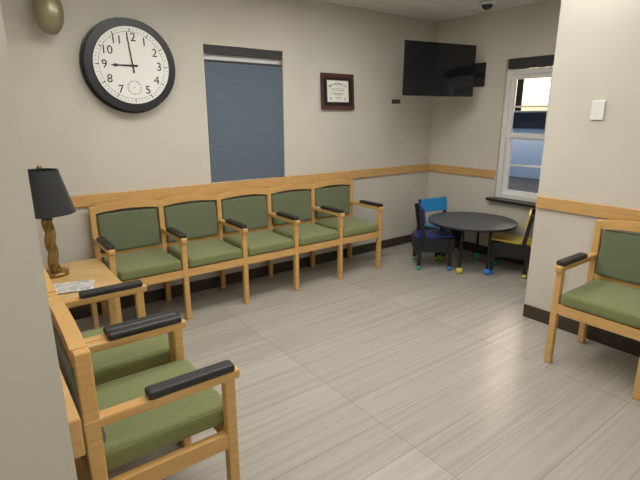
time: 8:59
